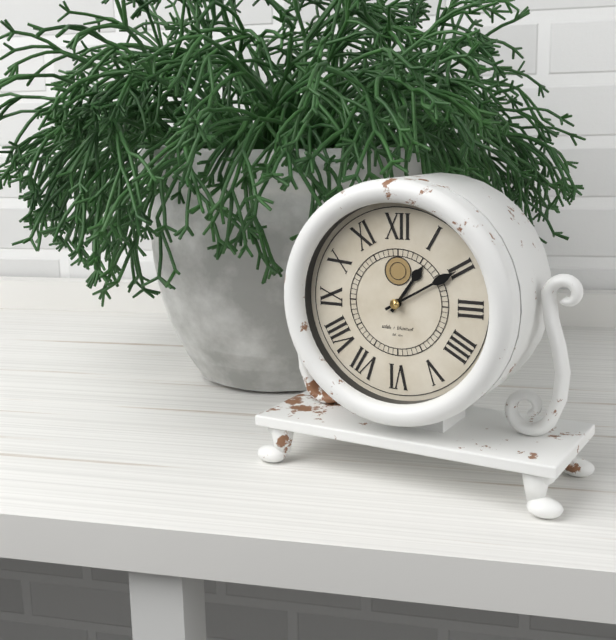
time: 1:10
